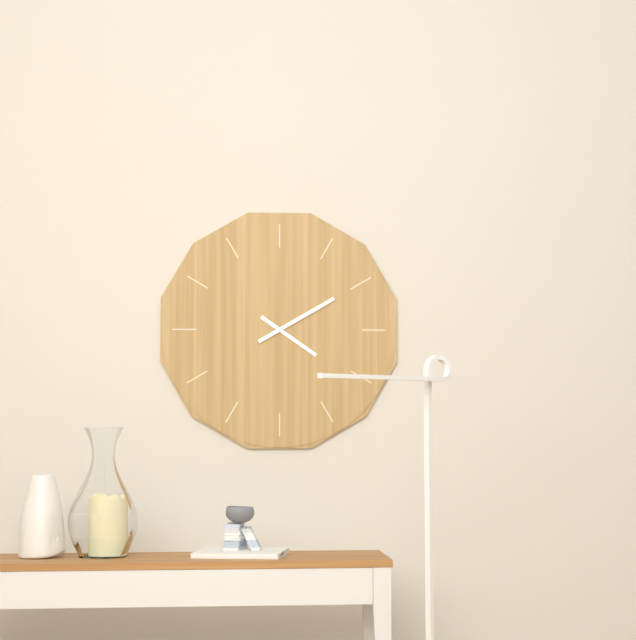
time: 4:10
